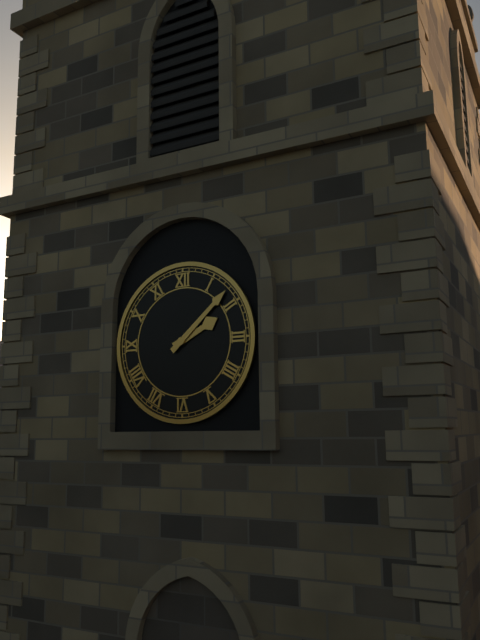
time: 2:08
